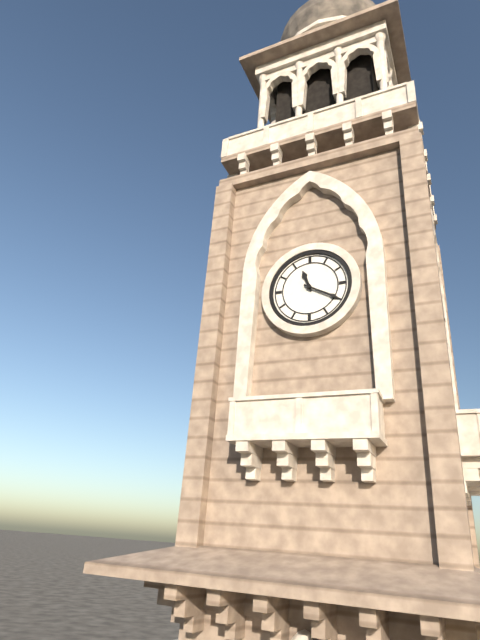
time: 11:20
